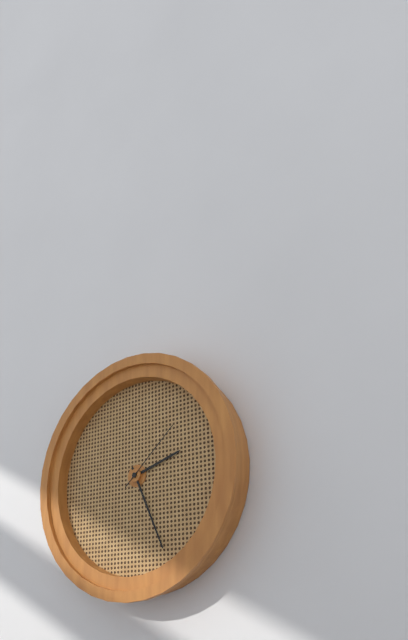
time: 2:26:08
